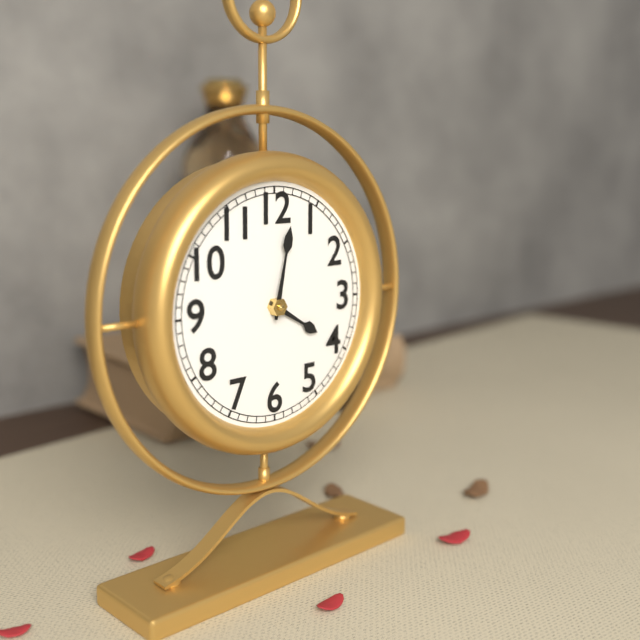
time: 4:02
